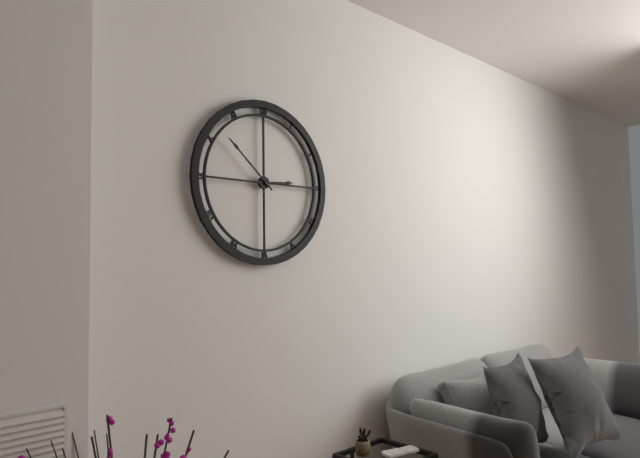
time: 2:52
